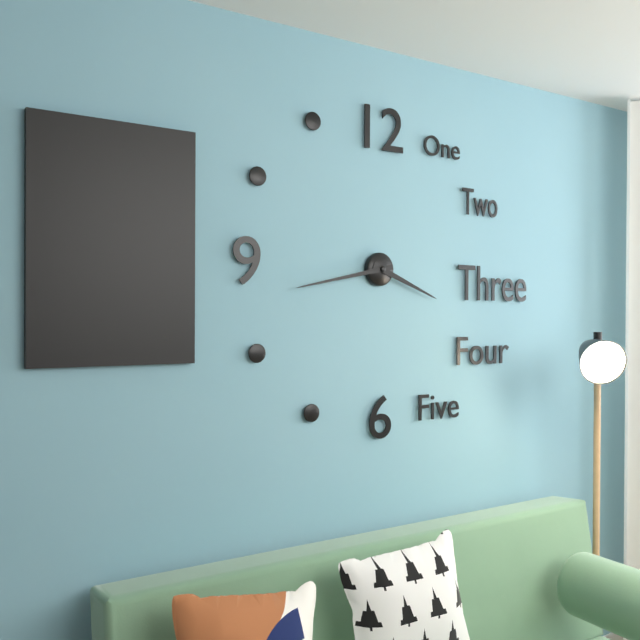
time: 3:43
